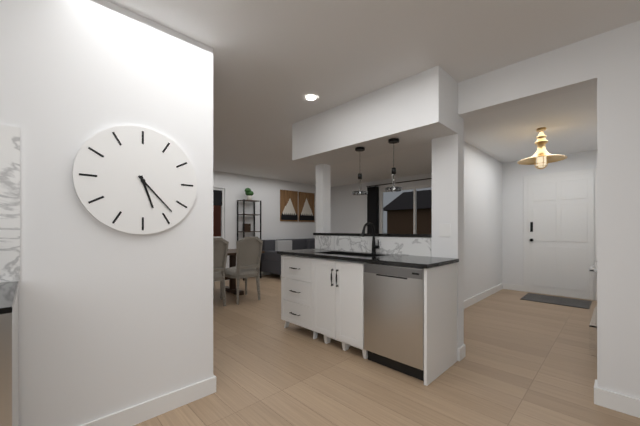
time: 5:23
